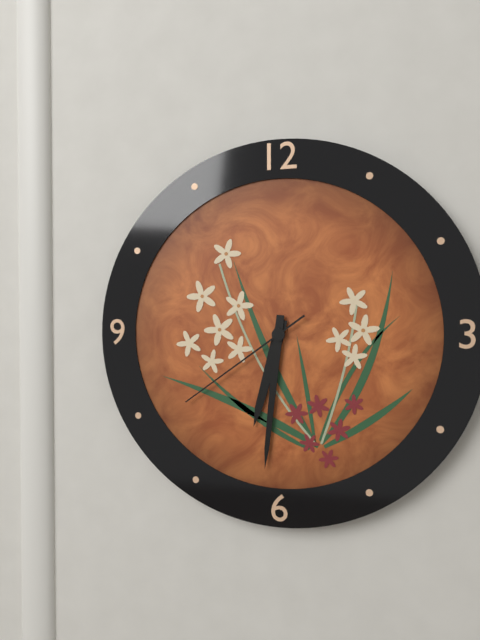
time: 6:31:39
